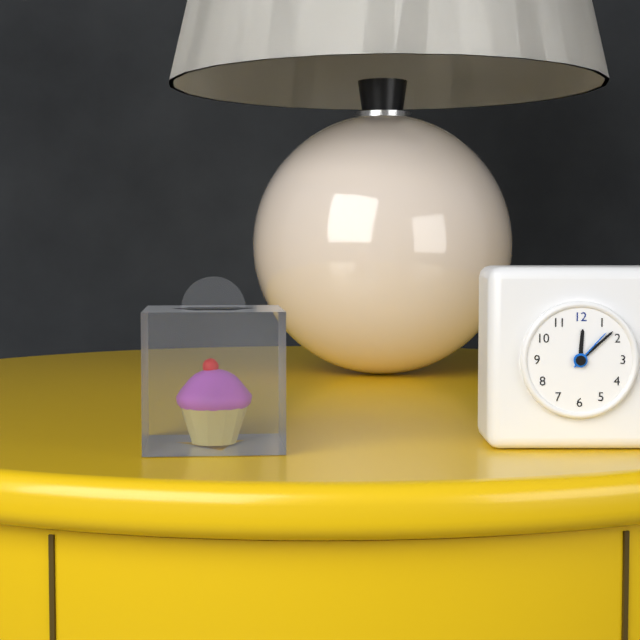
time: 12:08
